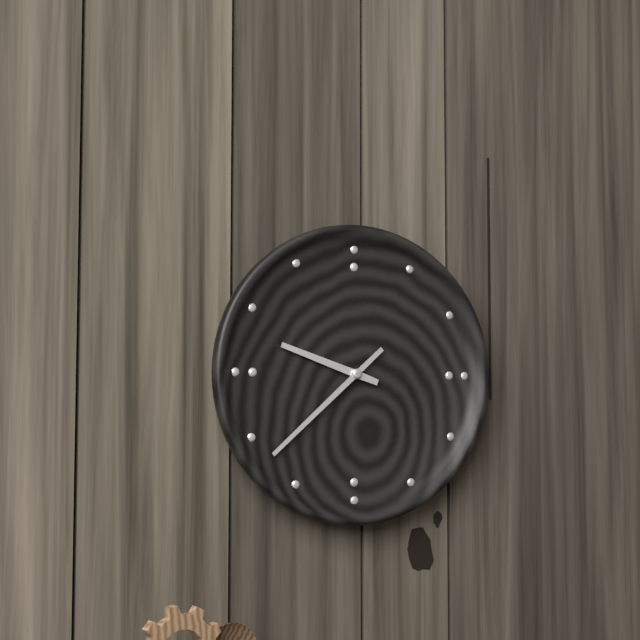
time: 9:38
